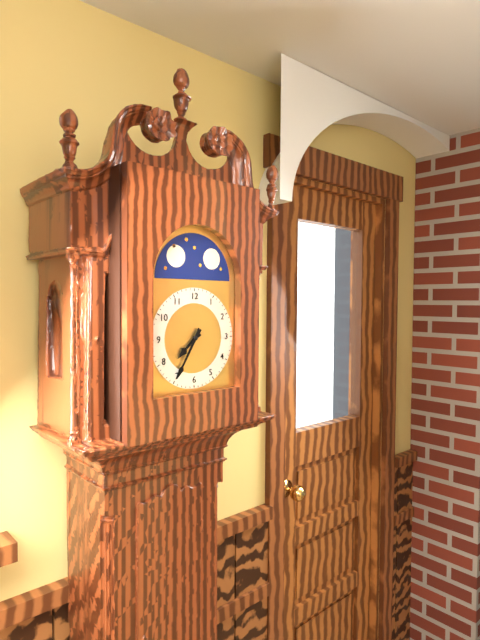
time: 7:35
